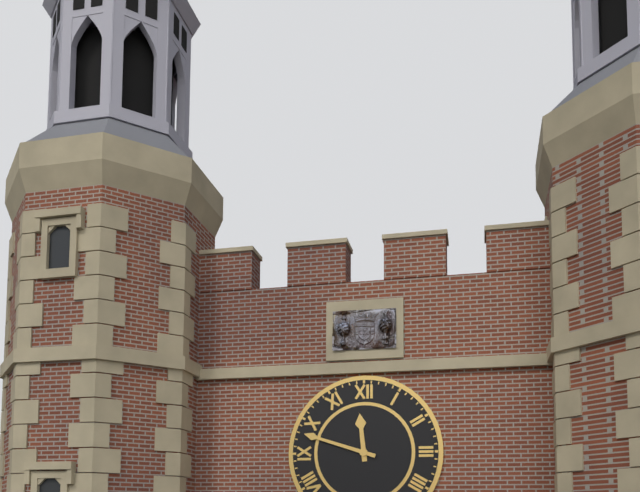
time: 11:48
